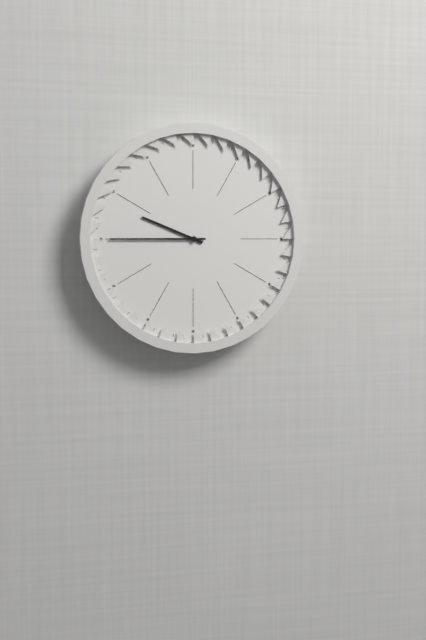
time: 9:45
